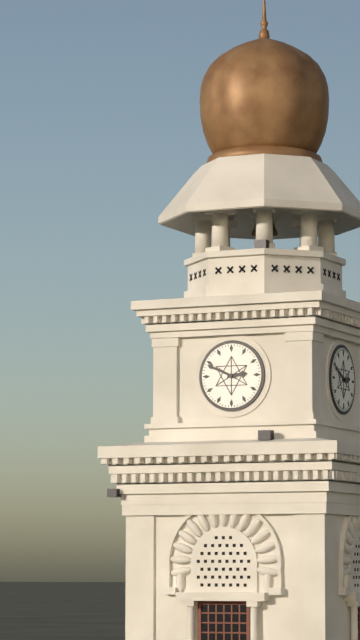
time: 2:49
